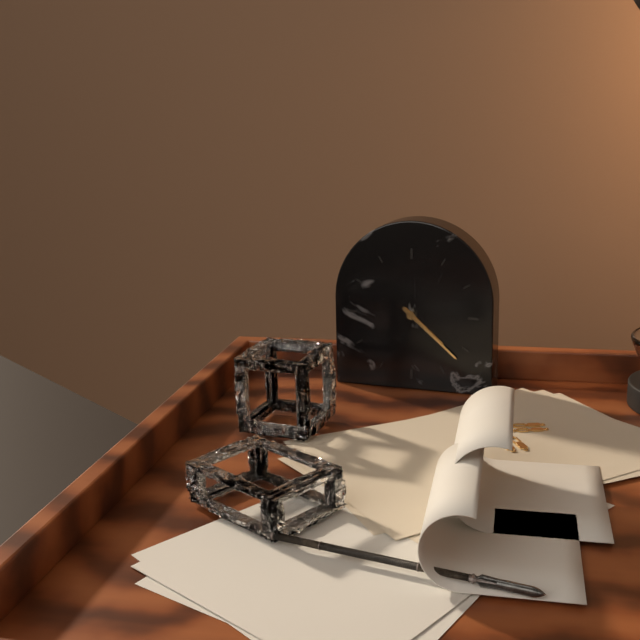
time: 4:22
